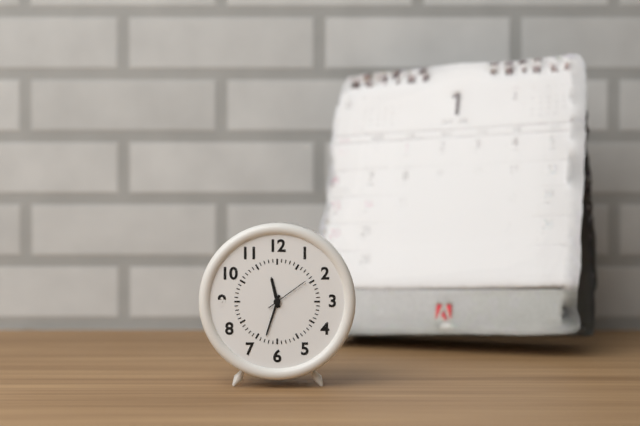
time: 11:33
